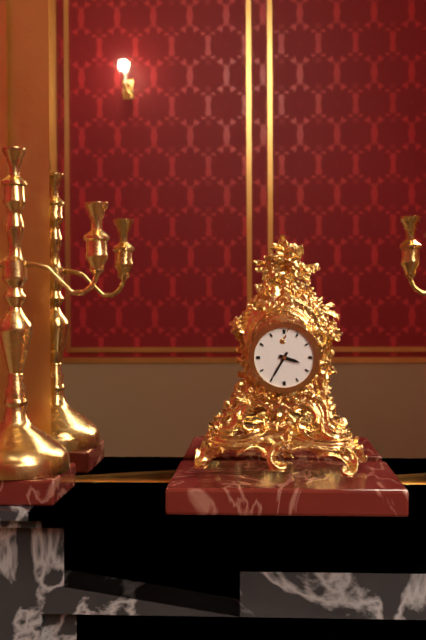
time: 3:35
